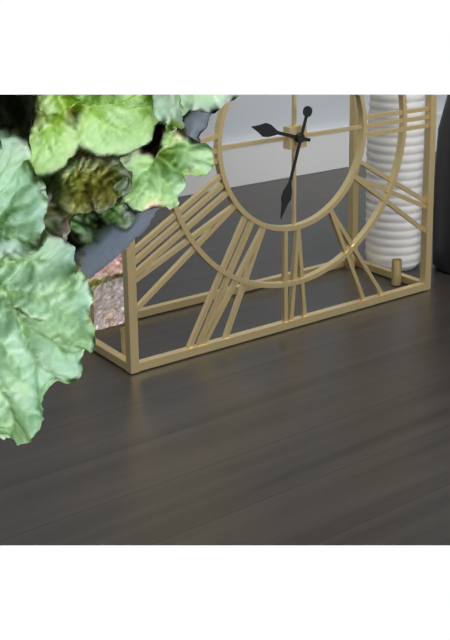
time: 9:33
